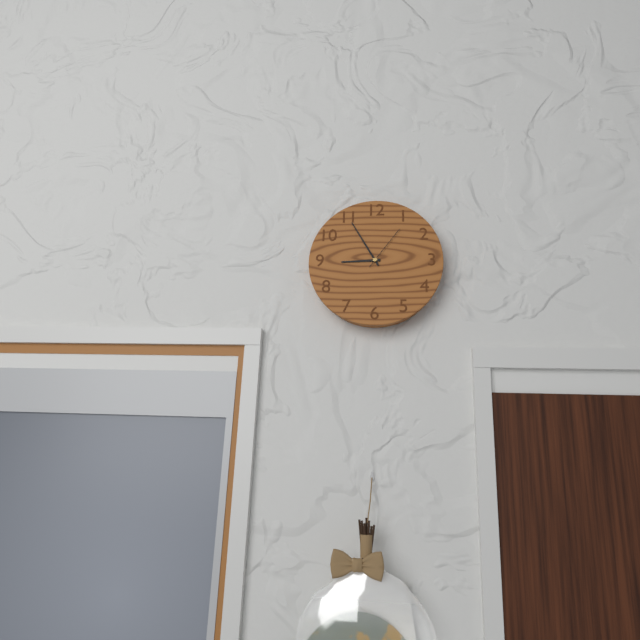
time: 8:55
